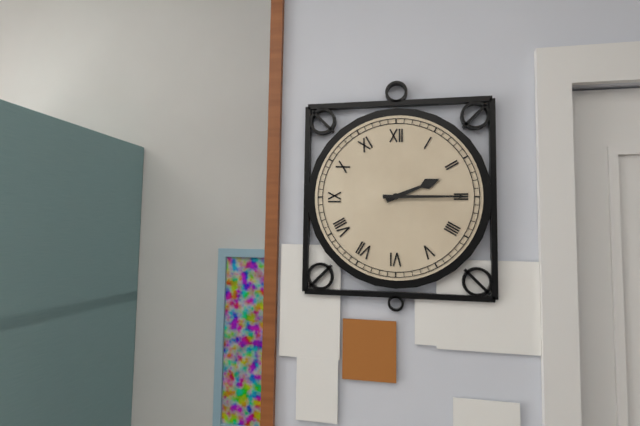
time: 2:15
